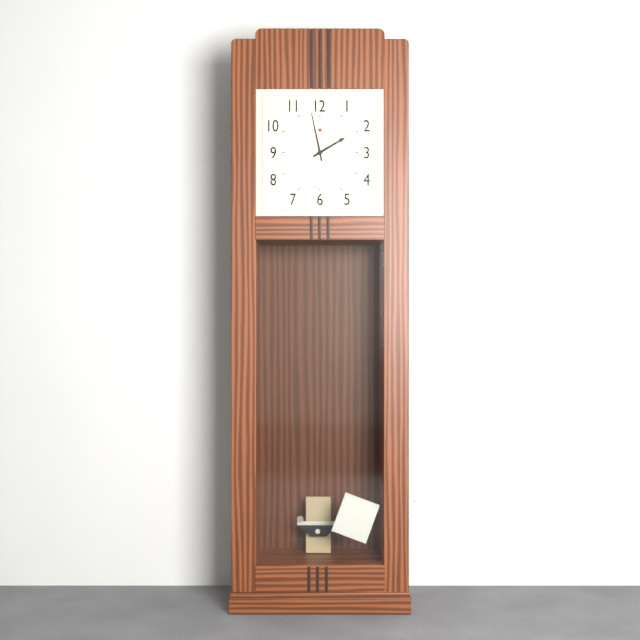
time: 1:58
